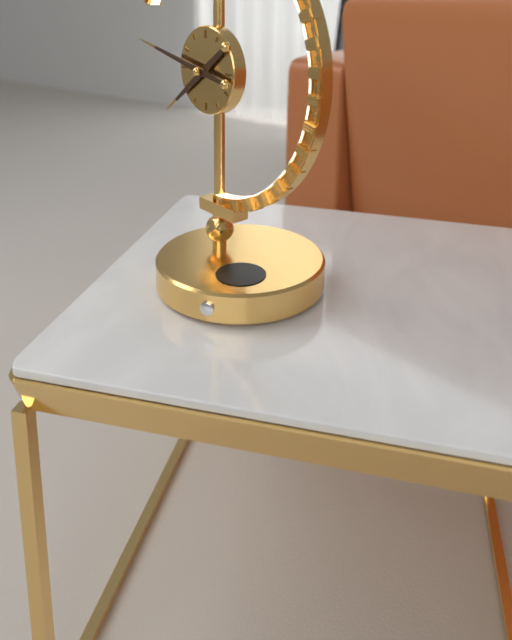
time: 7:47
